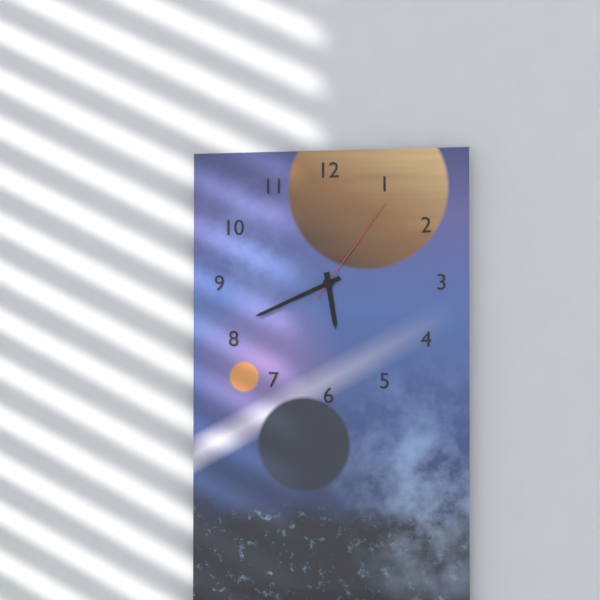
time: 5:41:06
